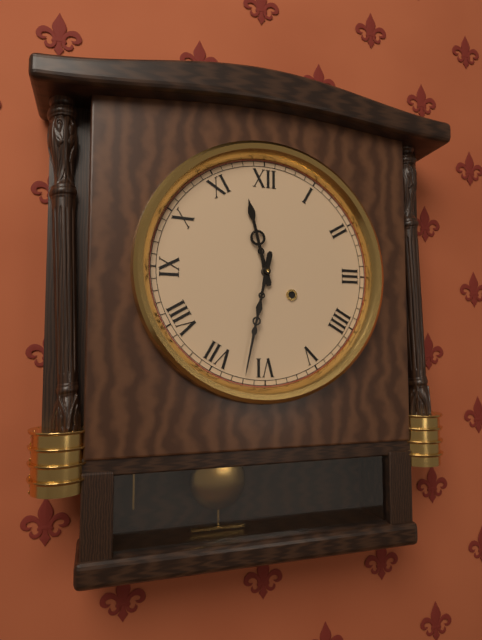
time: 11:32
